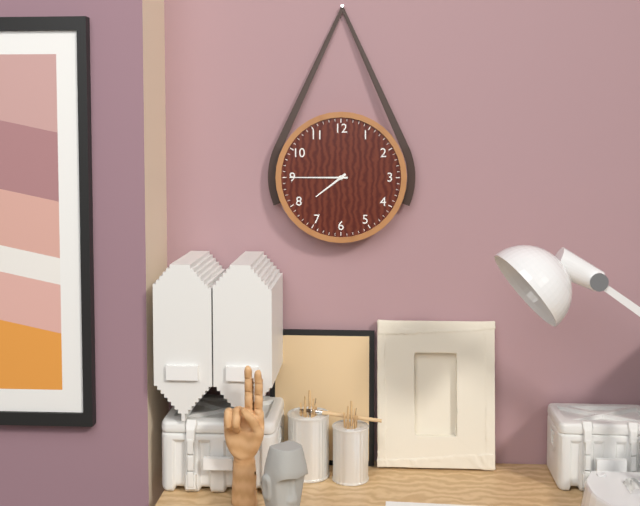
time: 7:45
